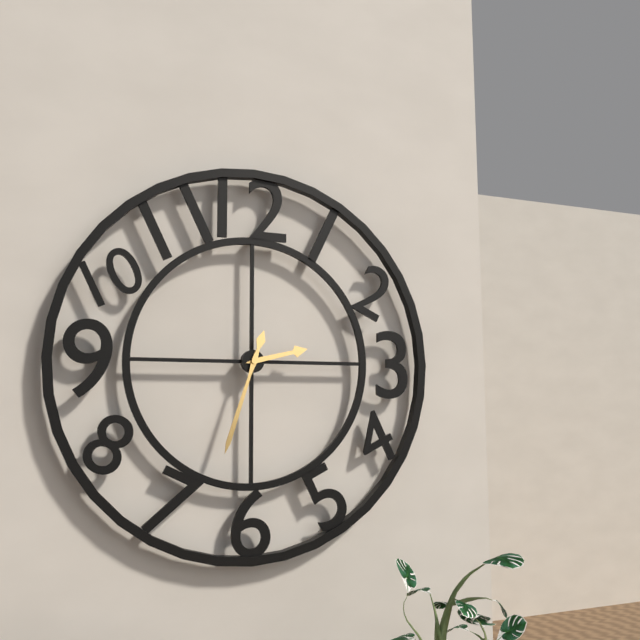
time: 2:33
